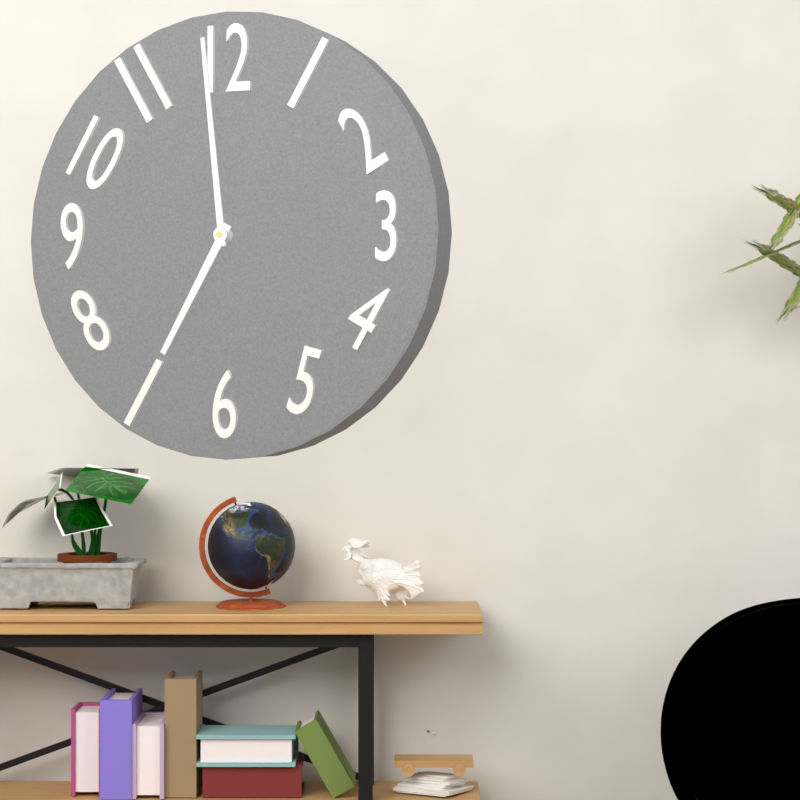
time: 6:59
